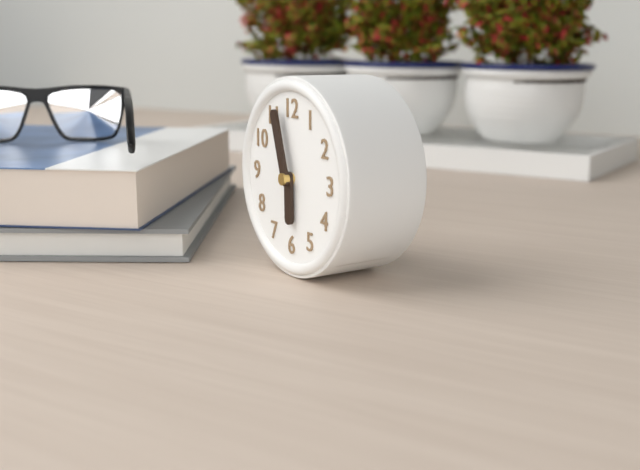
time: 5:57
